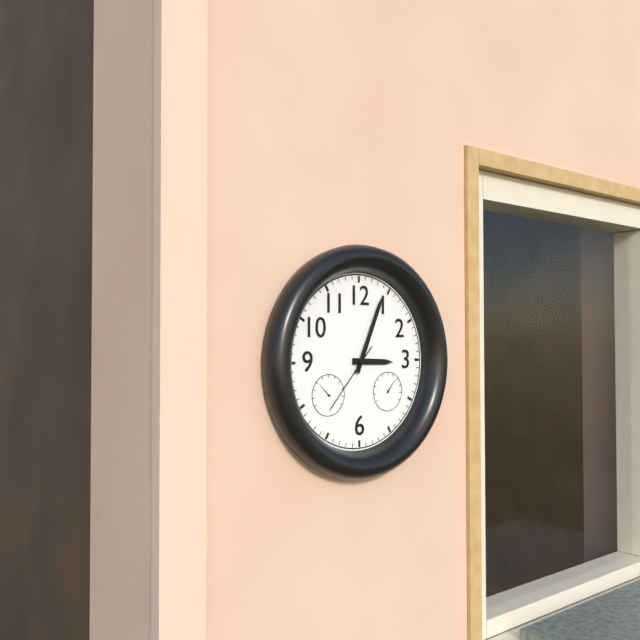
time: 3:04:37
